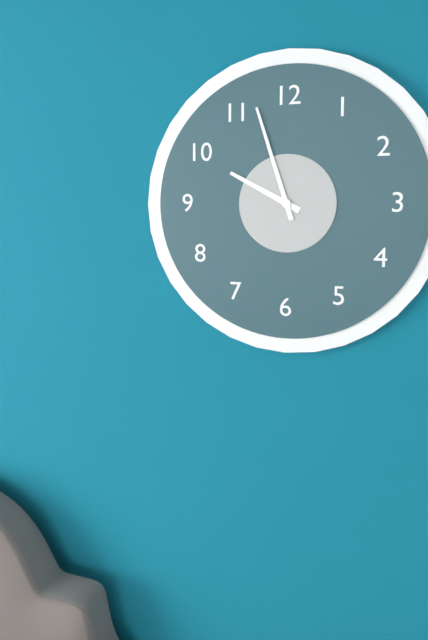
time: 9:57
